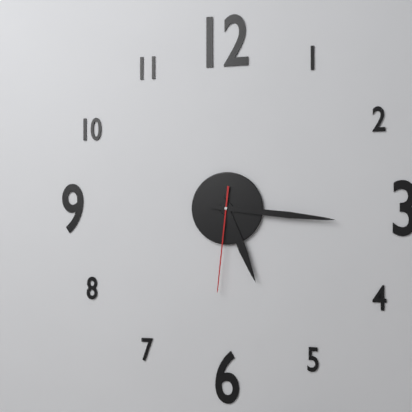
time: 5:16:31
